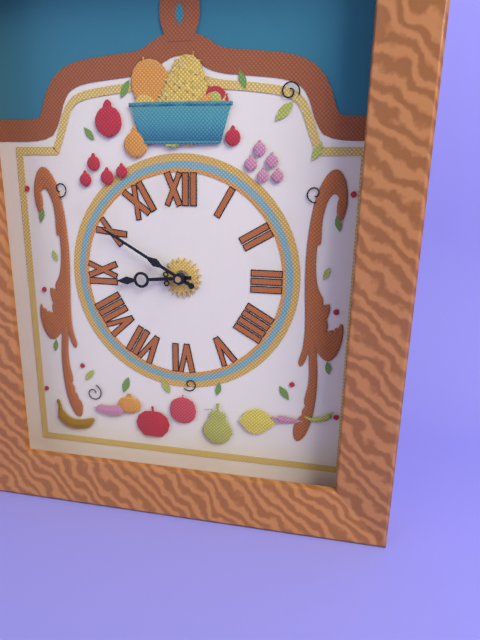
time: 8:50
